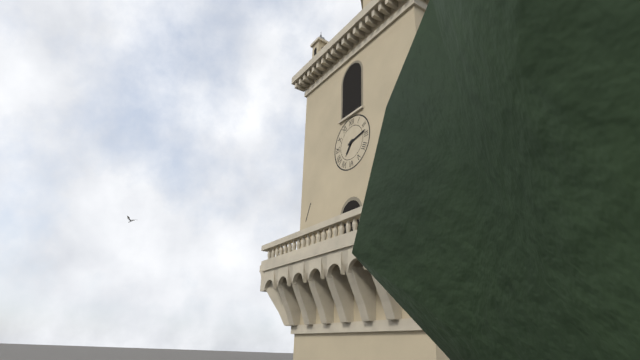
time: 7:13
